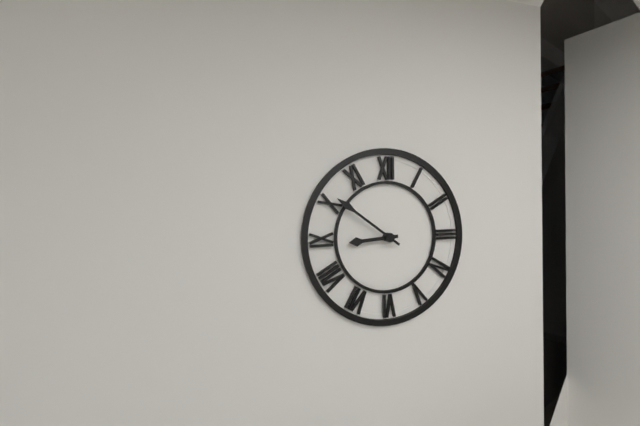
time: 8:51
